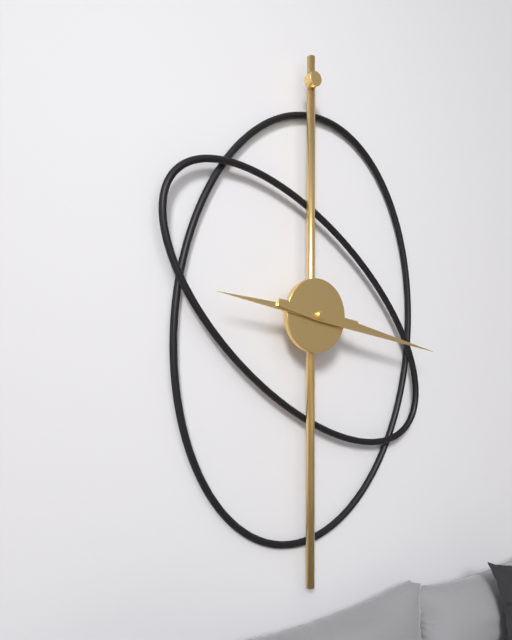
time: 9:17
